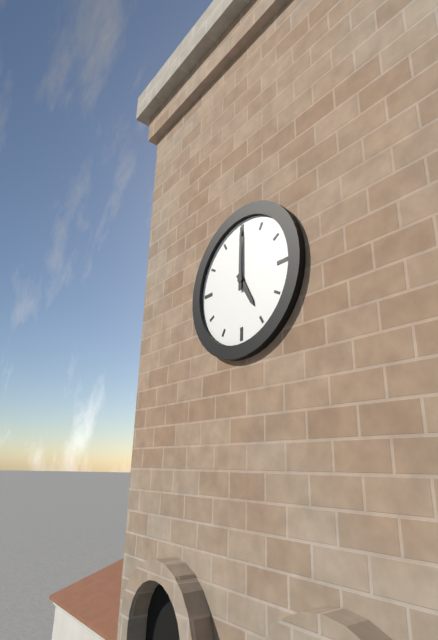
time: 5:00
